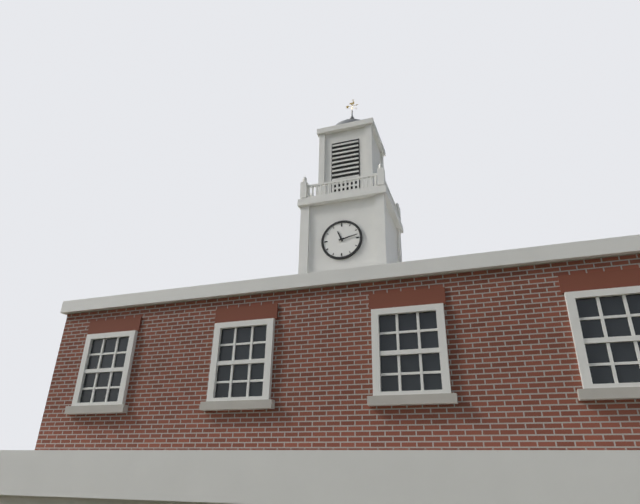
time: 11:13
